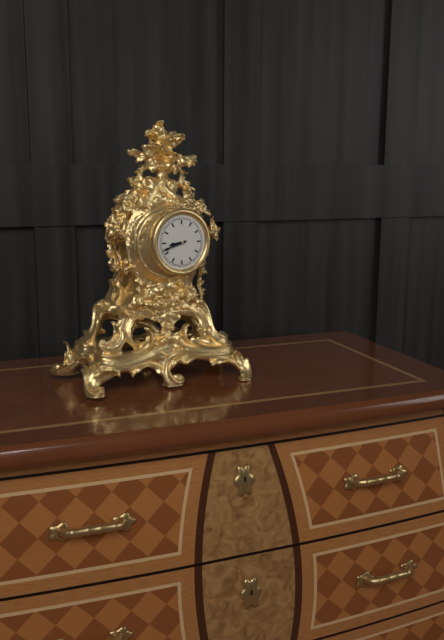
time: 8:42
